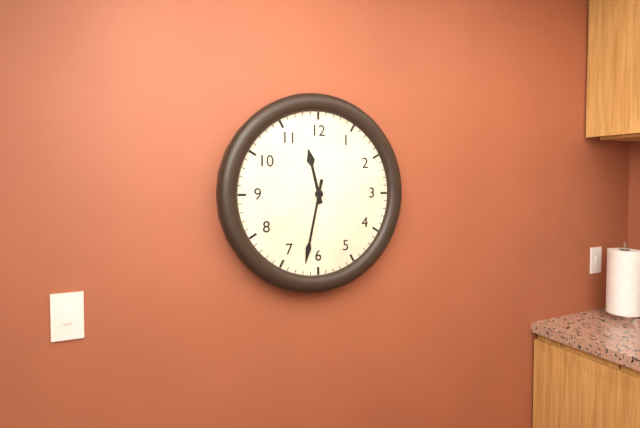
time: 11:32
